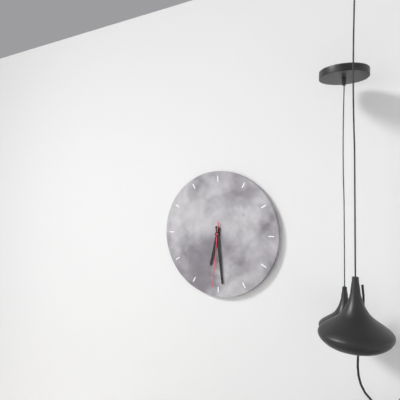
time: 6:29:31
